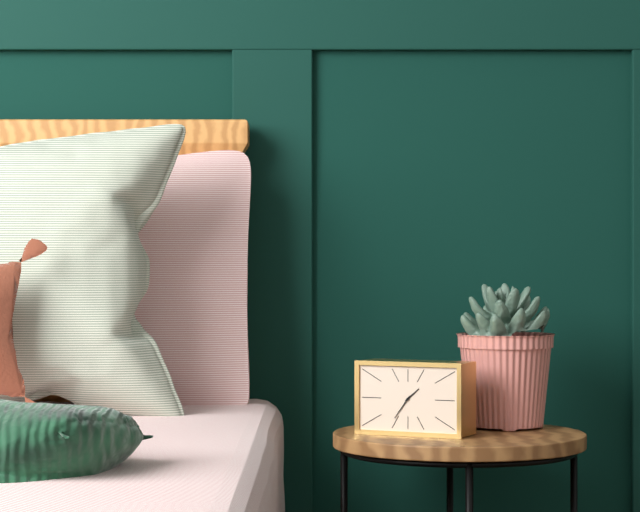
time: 1:36
